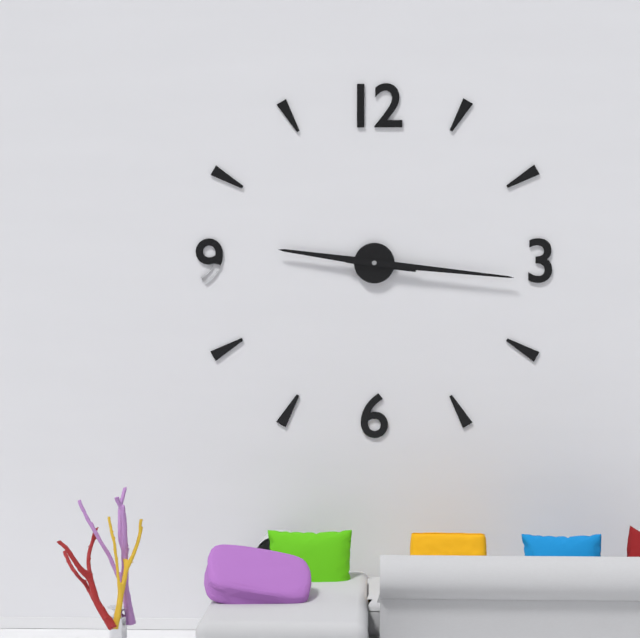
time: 9:16
